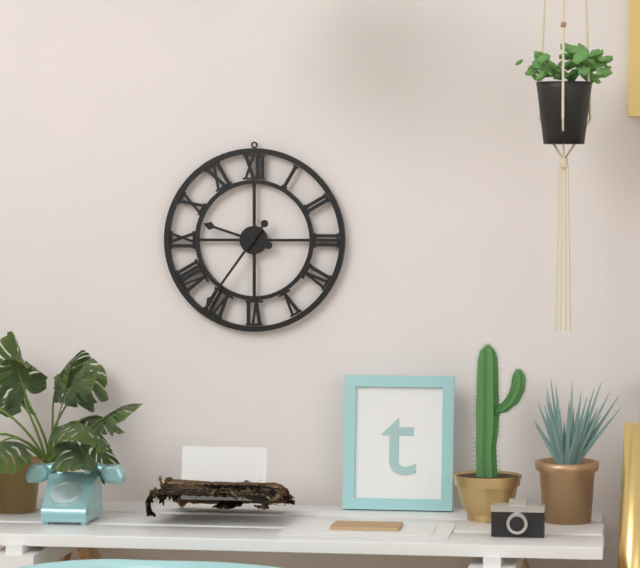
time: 9:36
